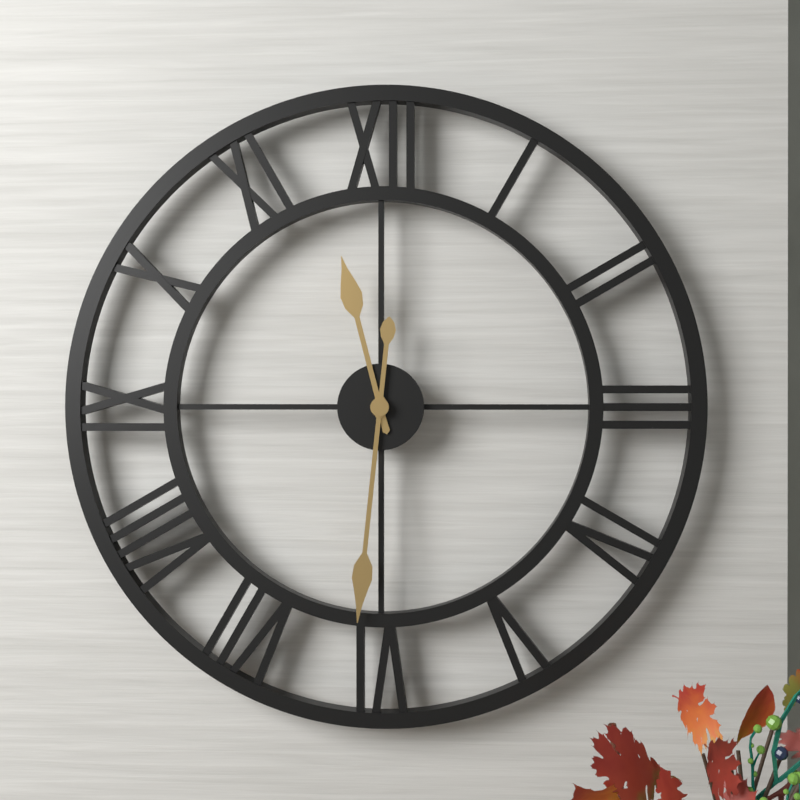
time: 11:31
